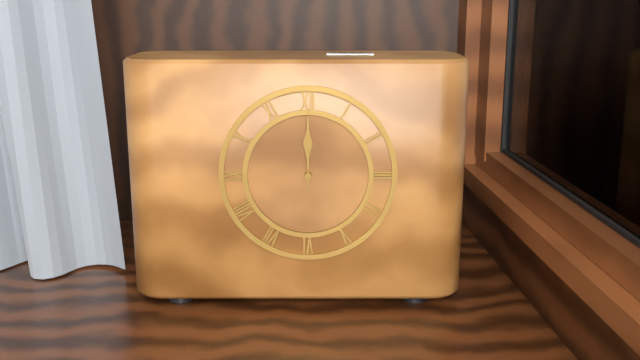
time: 12:00
